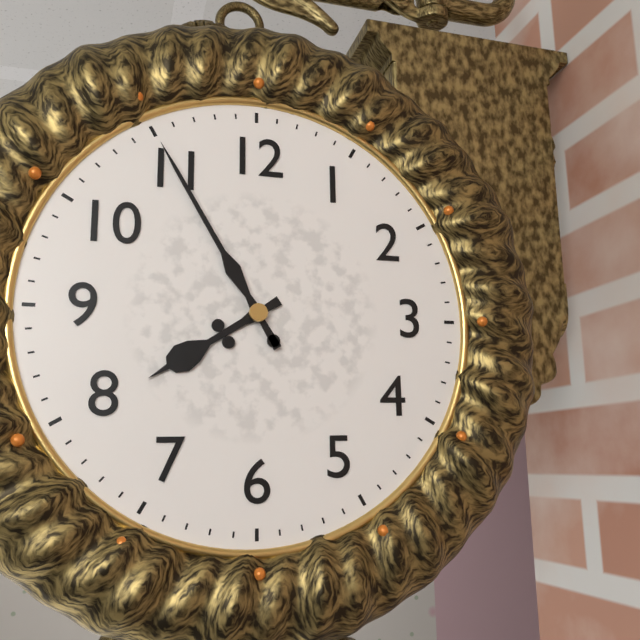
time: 7:55
